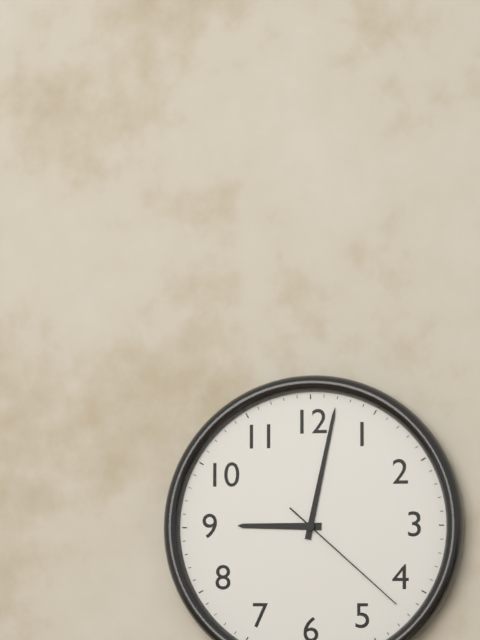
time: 9:02:22
